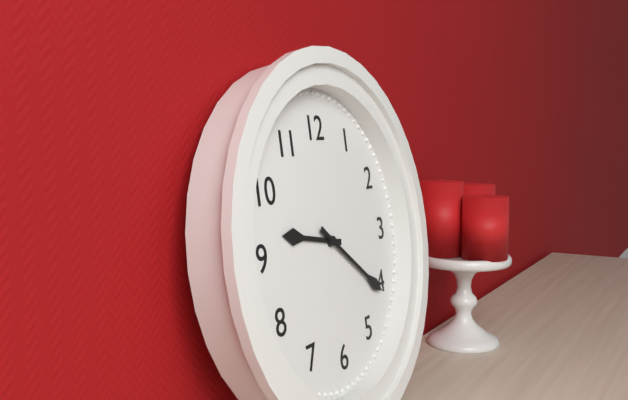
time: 9:21
